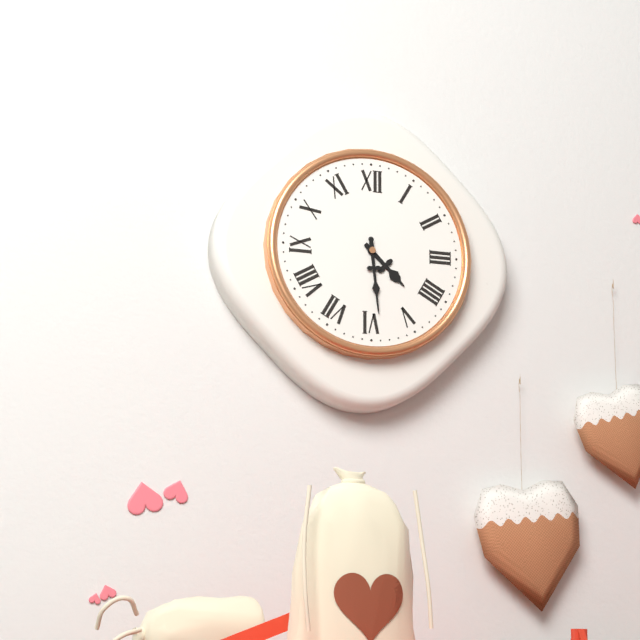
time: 4:29
